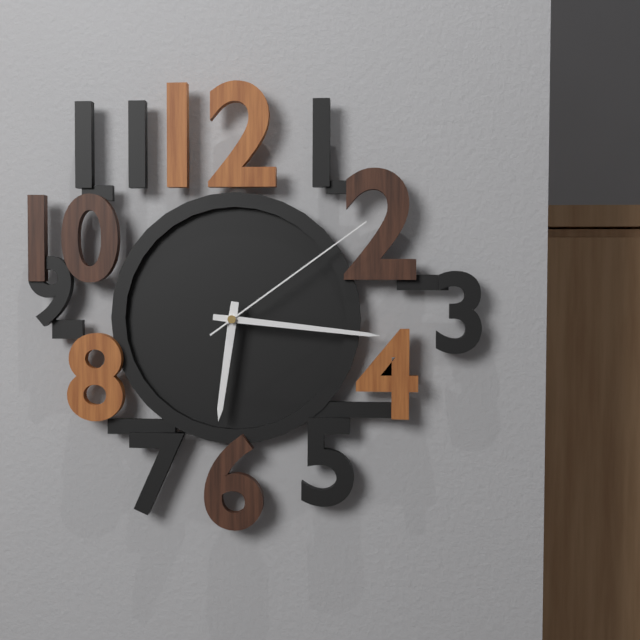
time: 6:16:09
